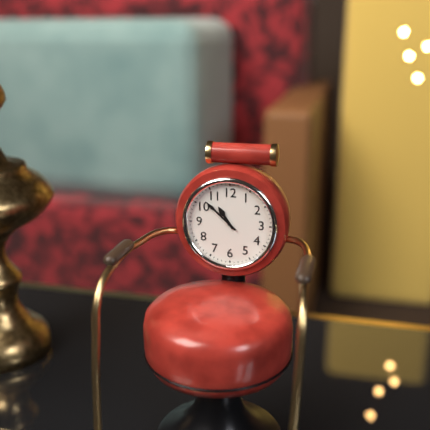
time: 10:52
